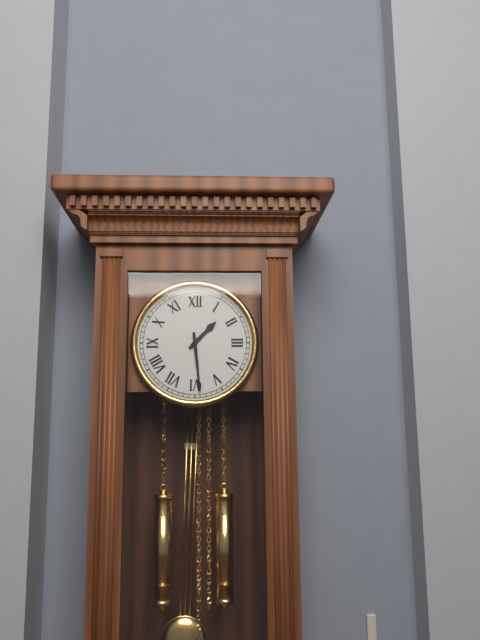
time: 1:29
